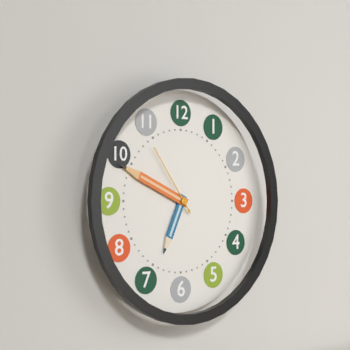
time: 6:49:54
